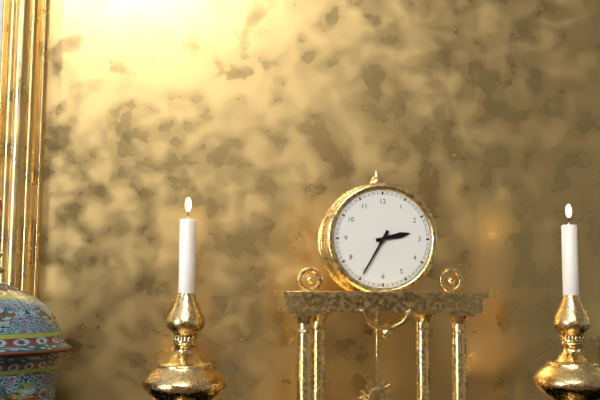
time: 2:35
